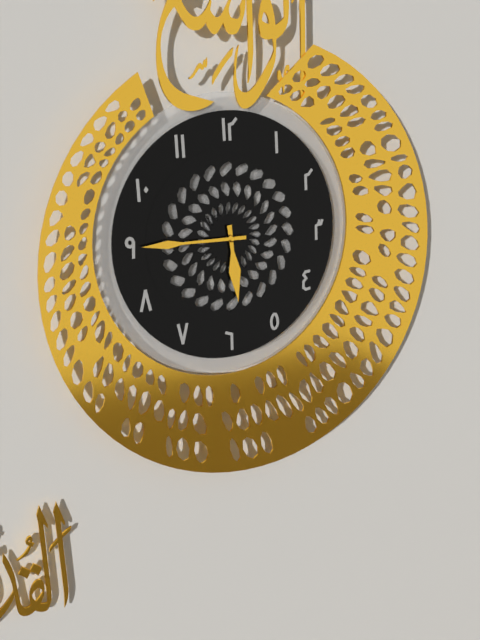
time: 5:45
